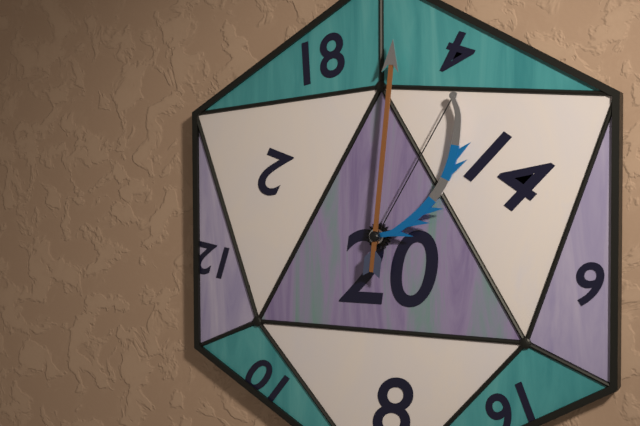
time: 1:01
